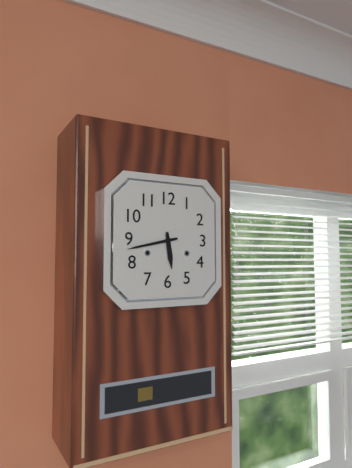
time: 5:43
